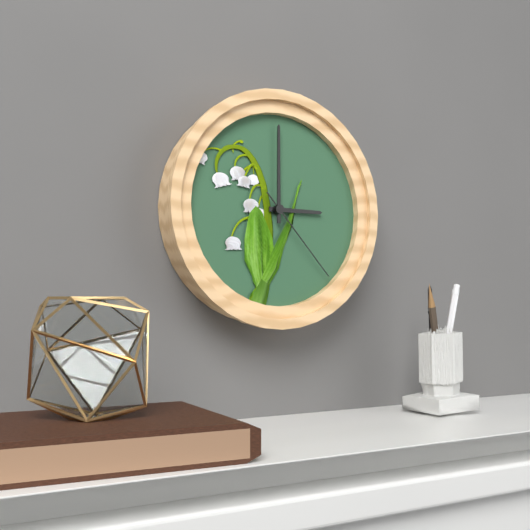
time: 3:00:23
